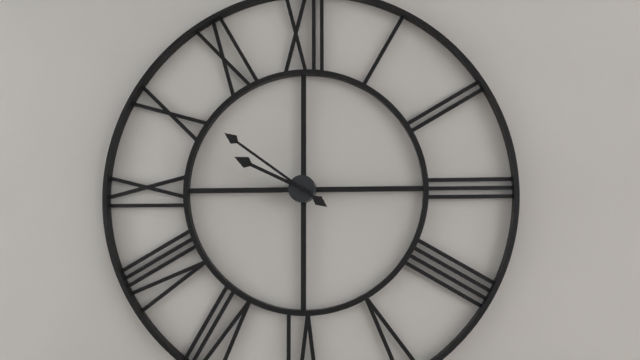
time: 9:51
